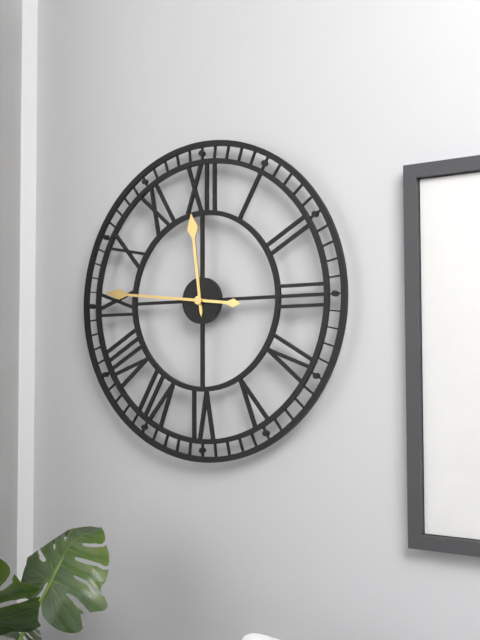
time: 11:46
